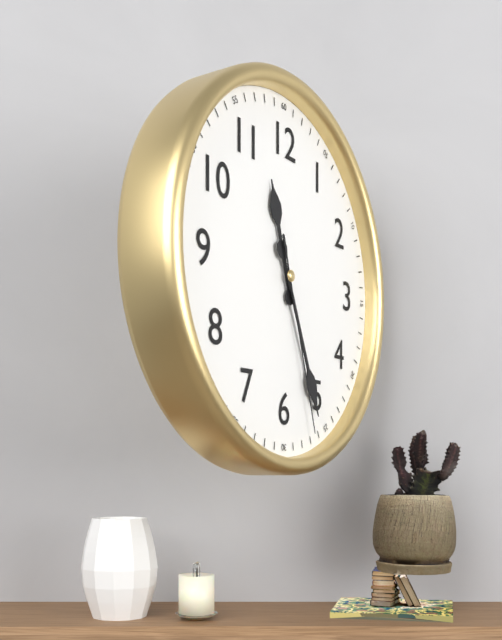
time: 11:26:27
